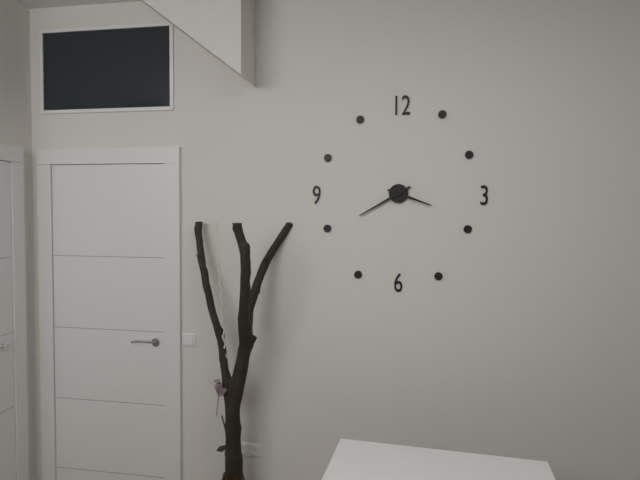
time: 3:40
